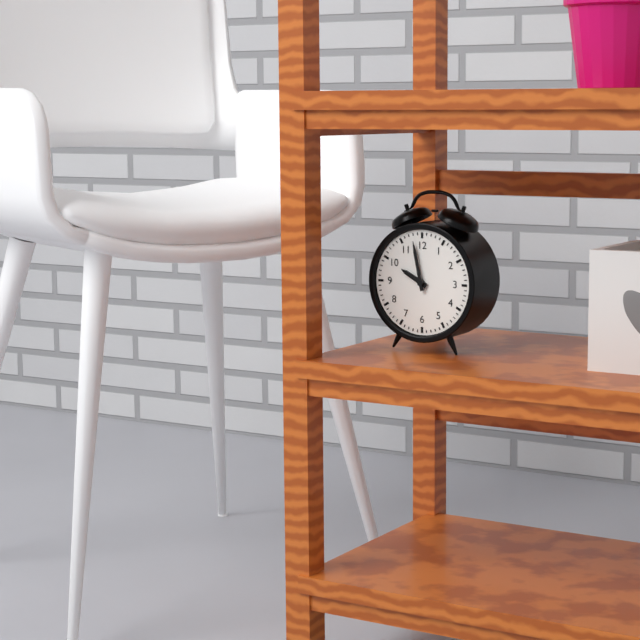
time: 9:58
